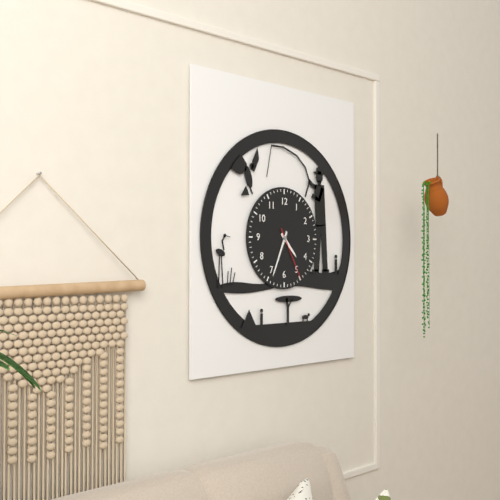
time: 4:34:25
